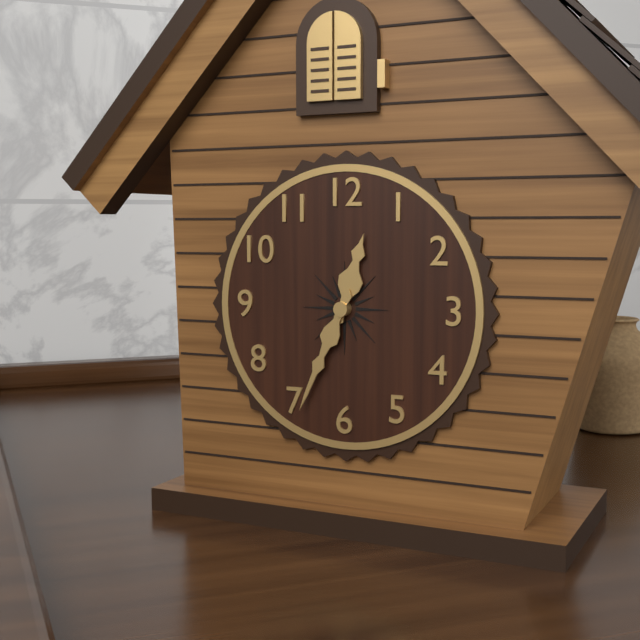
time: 12:34
